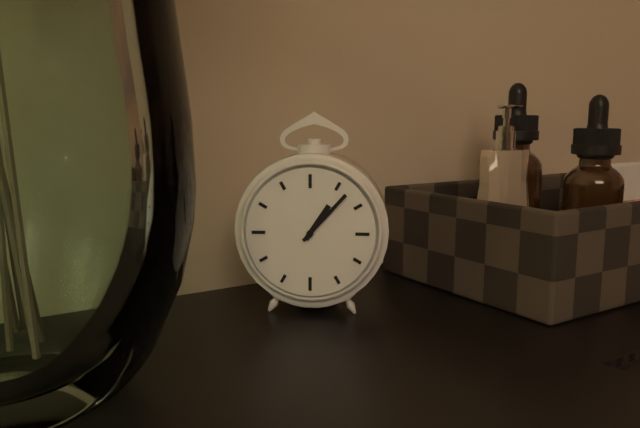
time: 1:07
